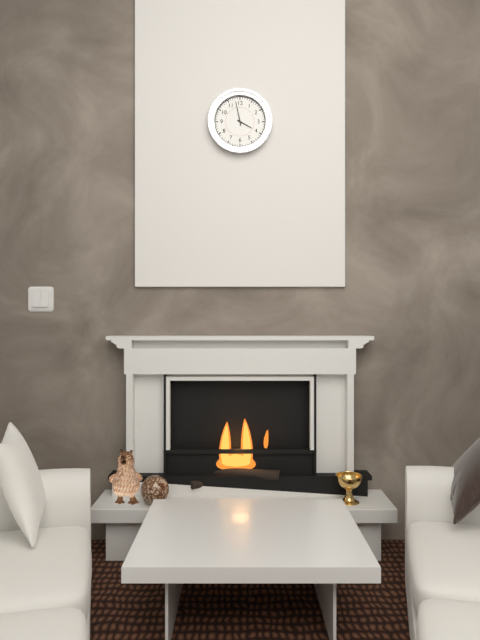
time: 3:58
